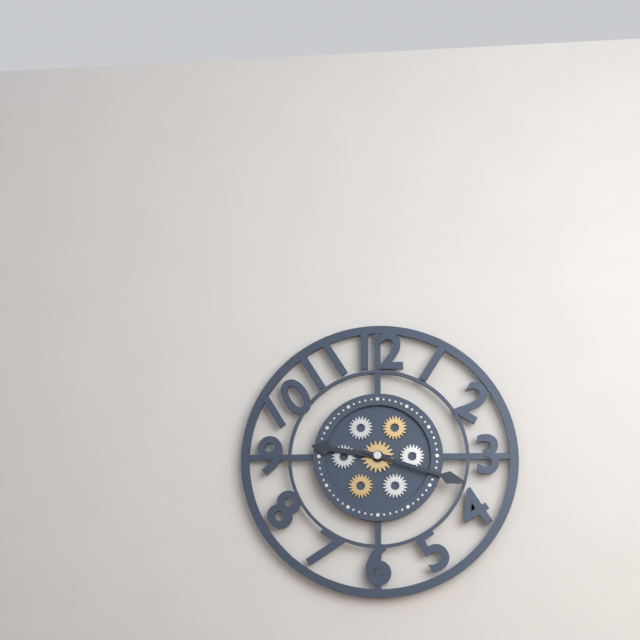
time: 9:18
